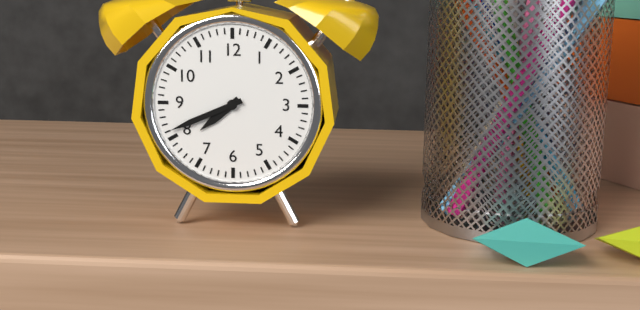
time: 7:41
